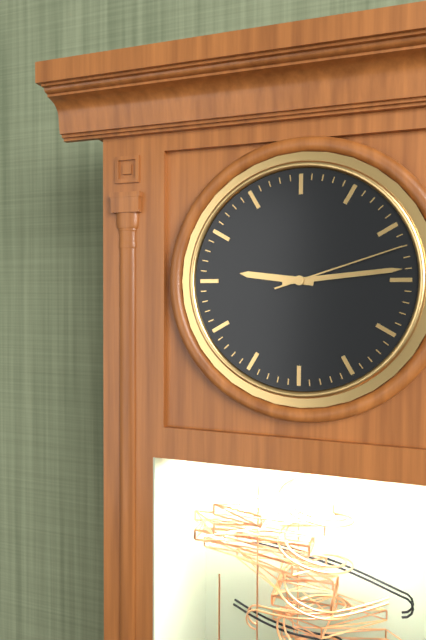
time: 9:14:12
